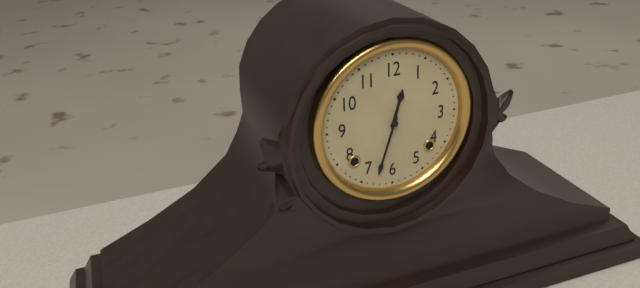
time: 12:33
